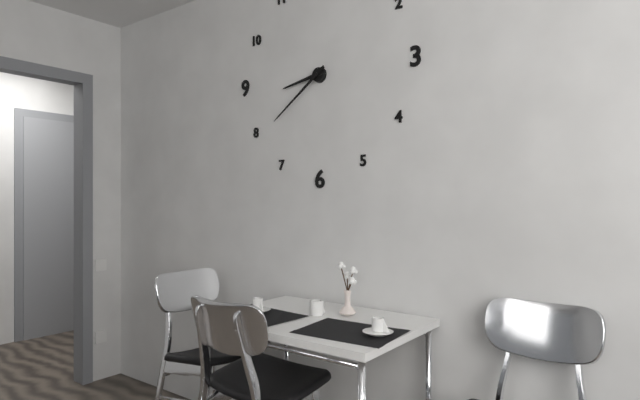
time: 8:39
